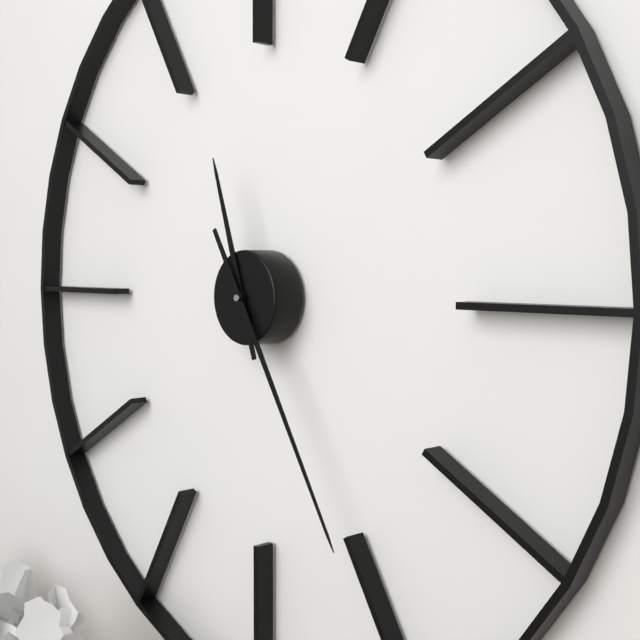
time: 11:25
